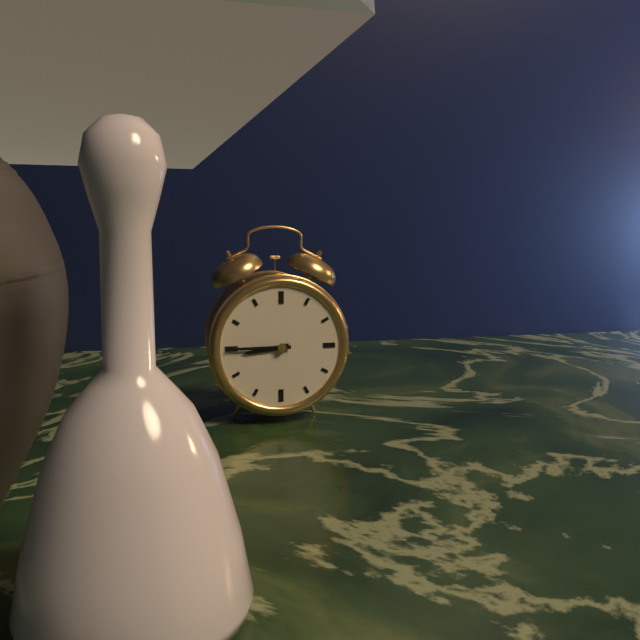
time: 8:45
